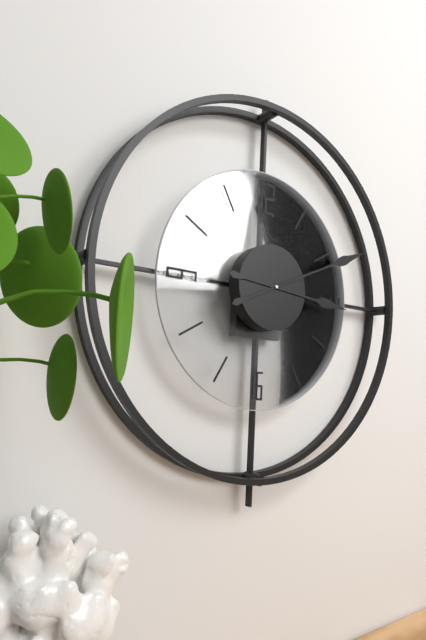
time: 3:11
